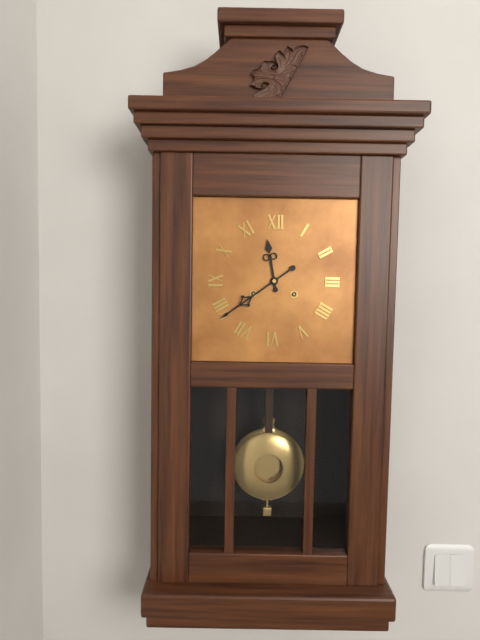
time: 11:39
